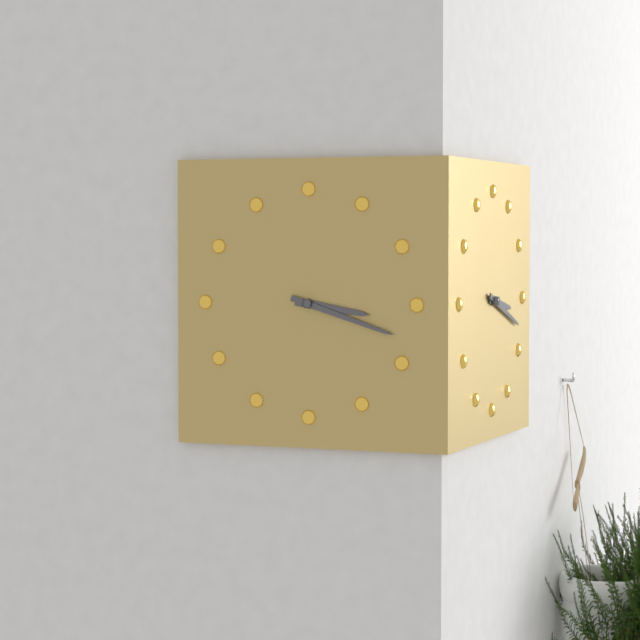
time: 3:18
